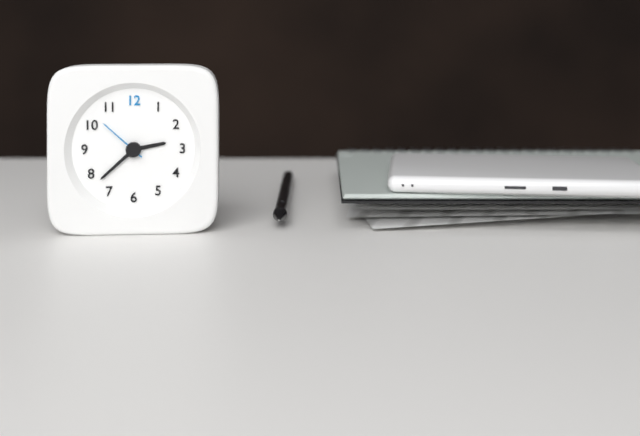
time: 2:38:52
